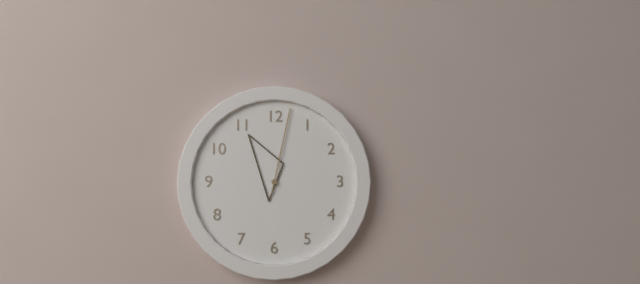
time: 11:02
